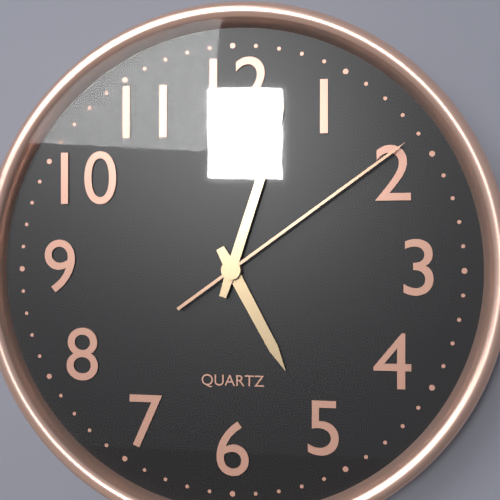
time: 5:03:09
